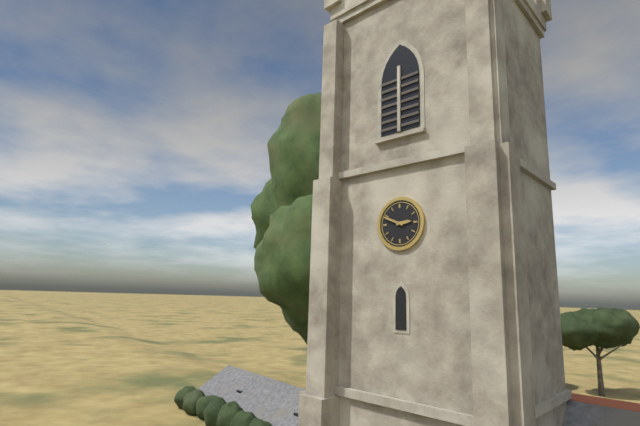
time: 2:49
